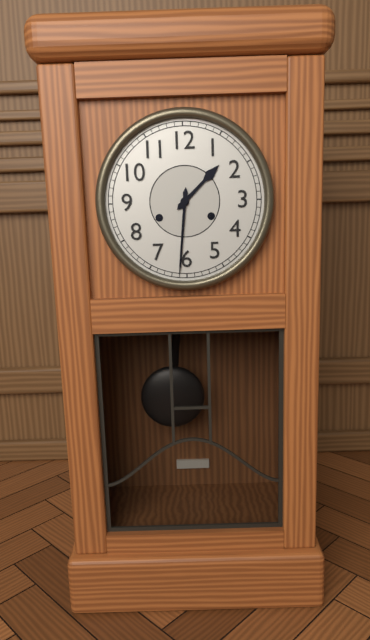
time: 1:31
